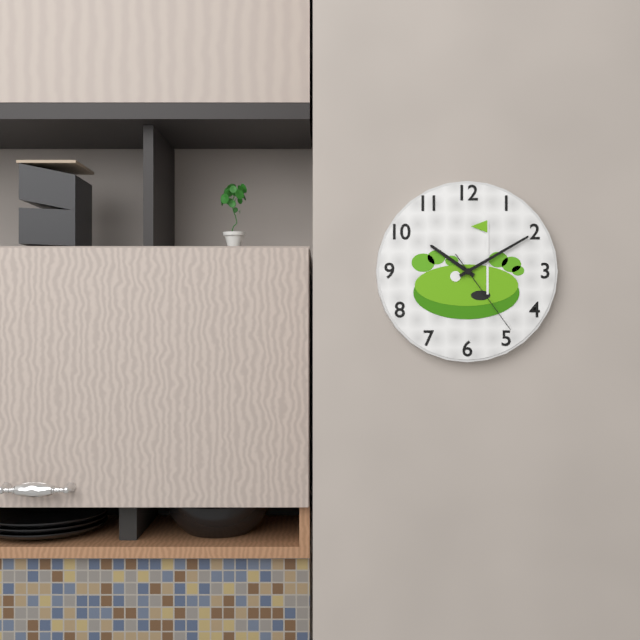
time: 10:10:24
